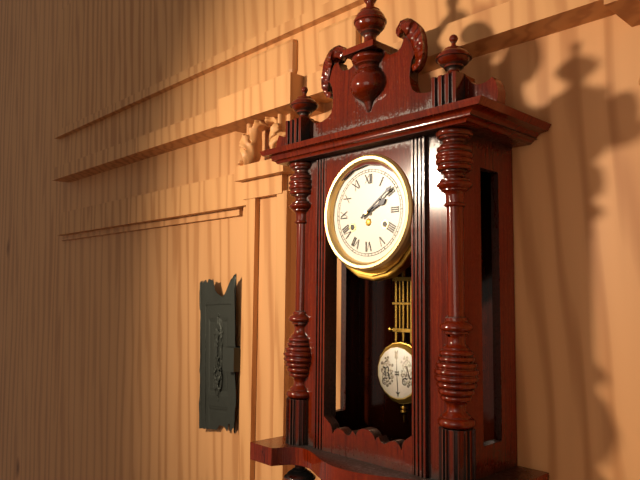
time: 2:09
